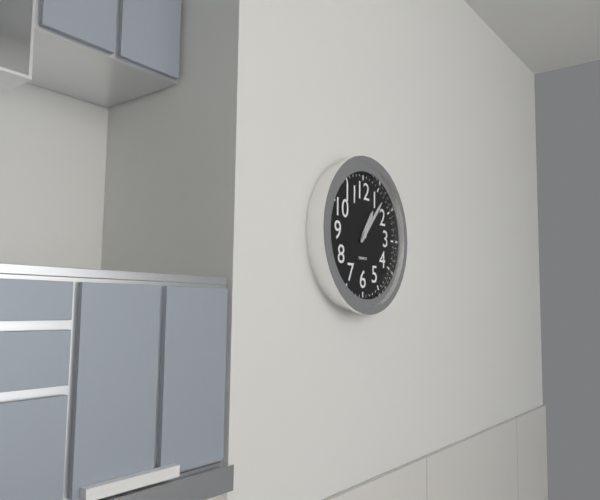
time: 1:07
